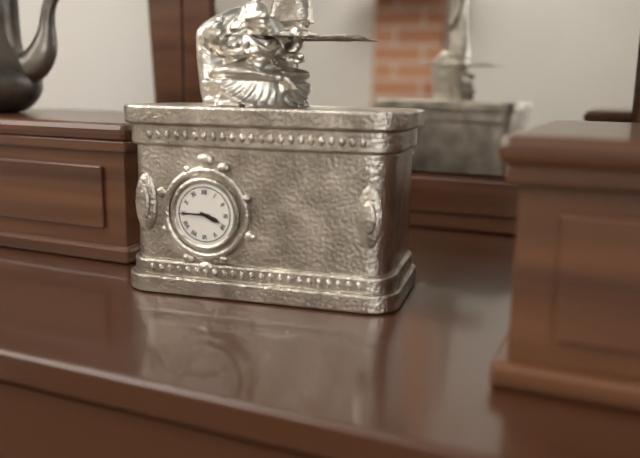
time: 3:45
